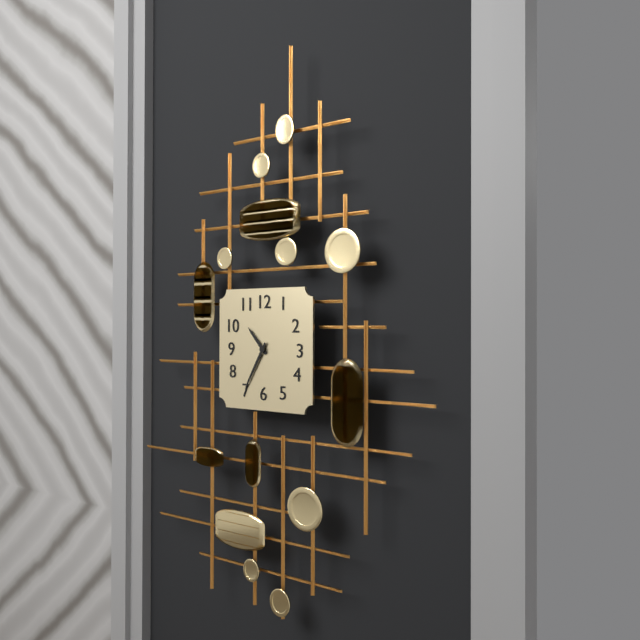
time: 10:35
